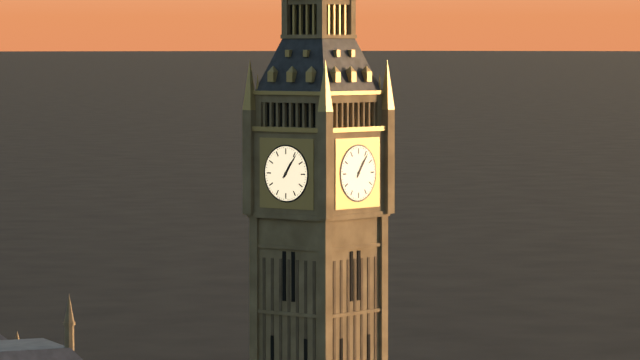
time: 1:06
